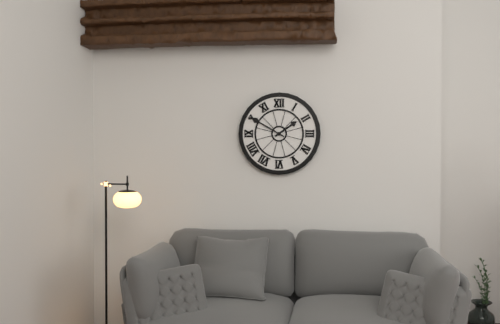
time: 1:50
